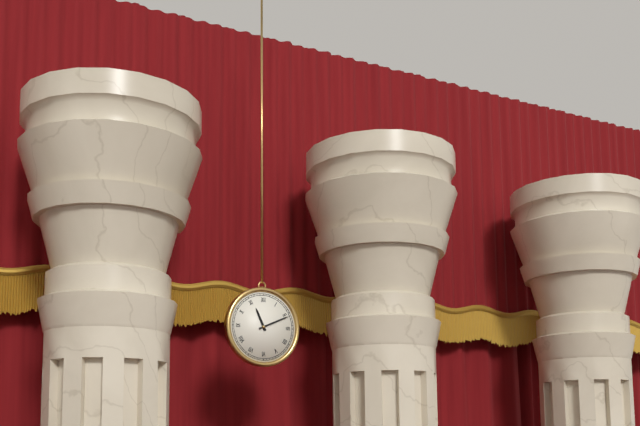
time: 11:11
